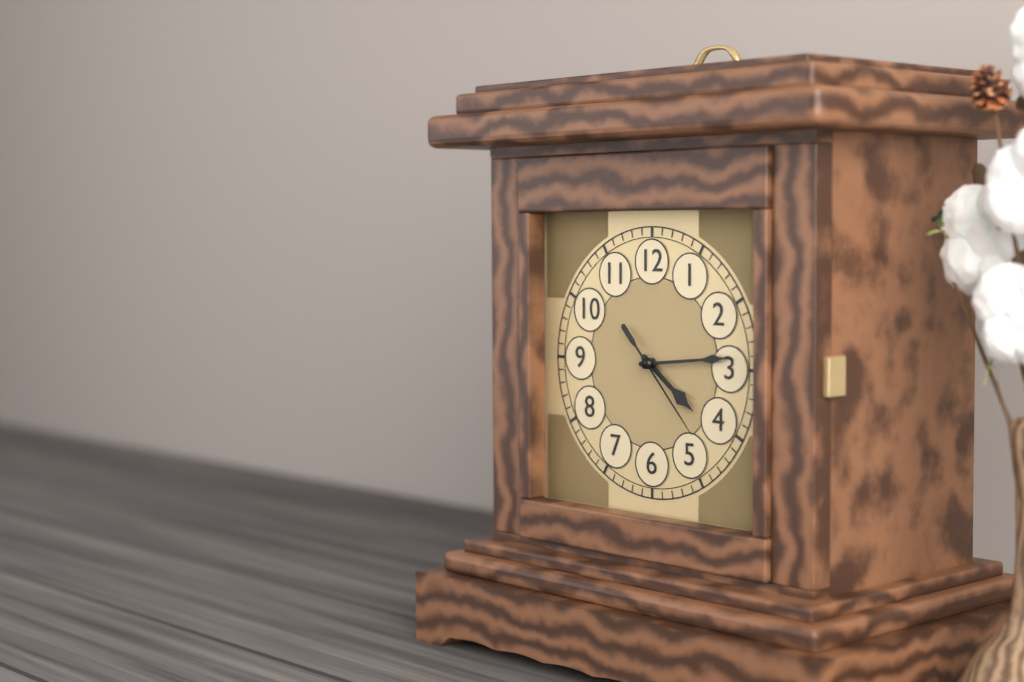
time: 4:14:23
